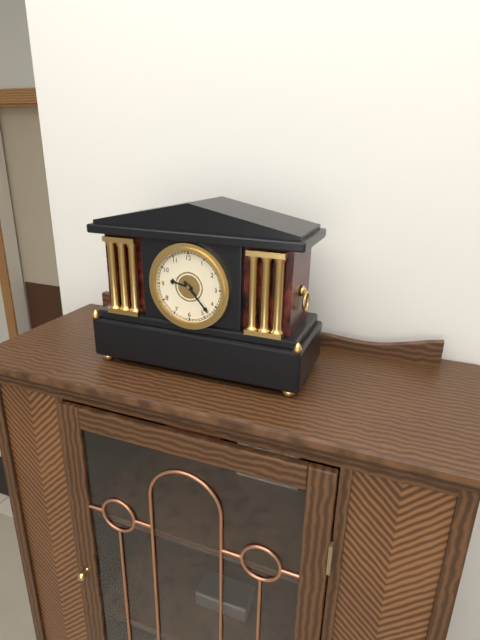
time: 9:23
